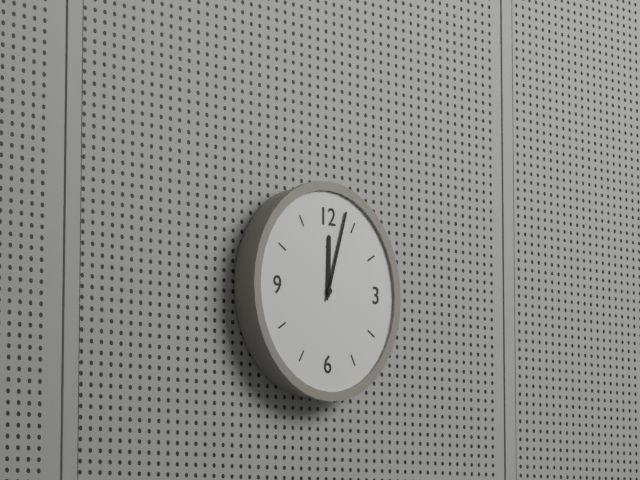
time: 12:03
